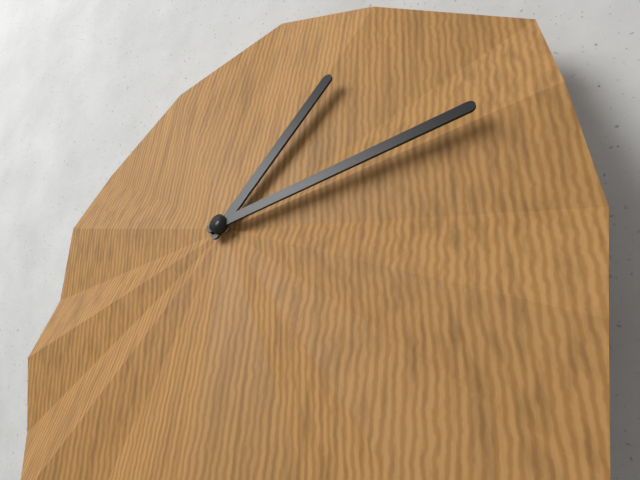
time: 1:13
